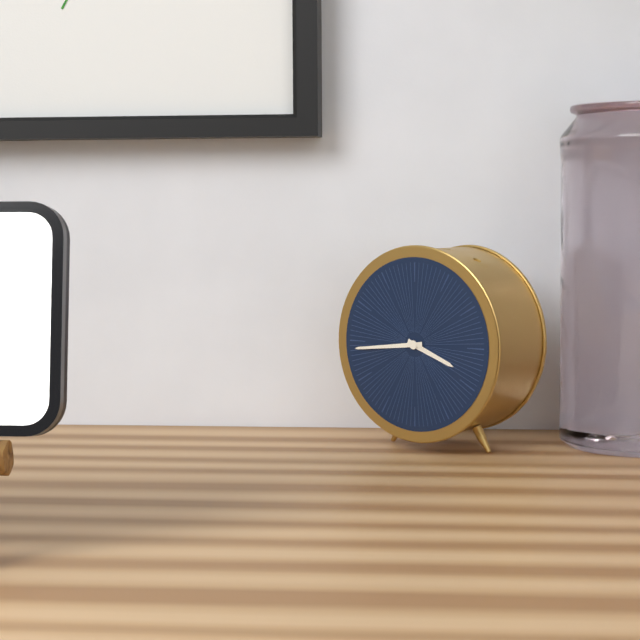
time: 3:44
